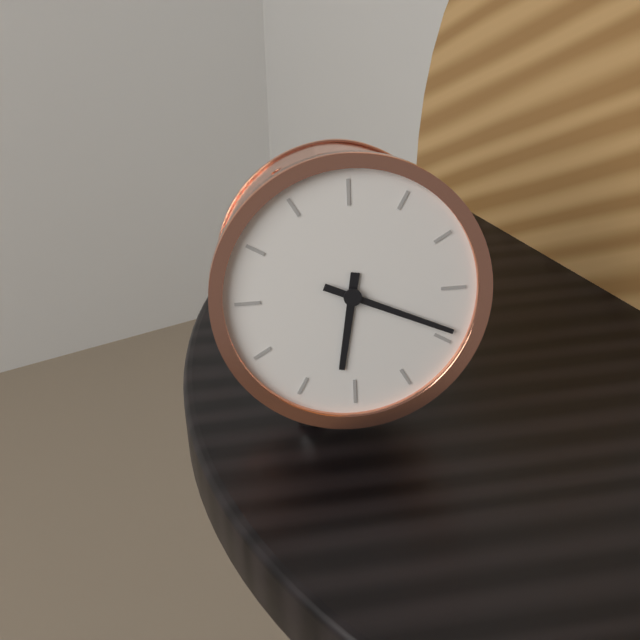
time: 6:19
